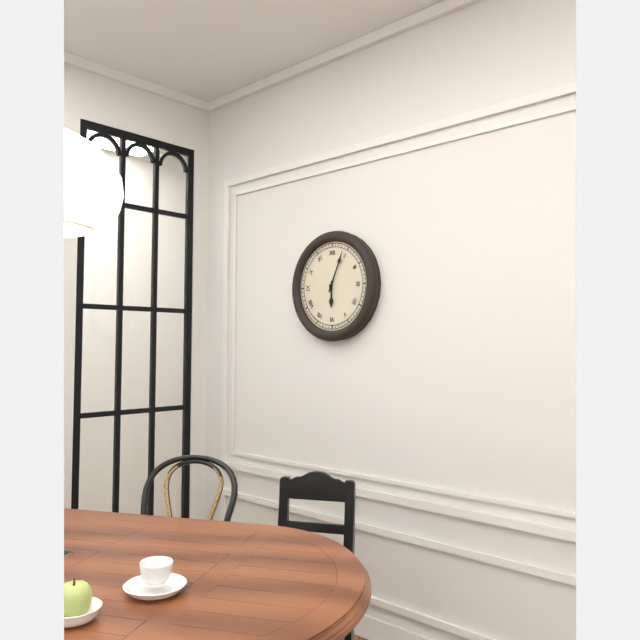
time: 6:04
